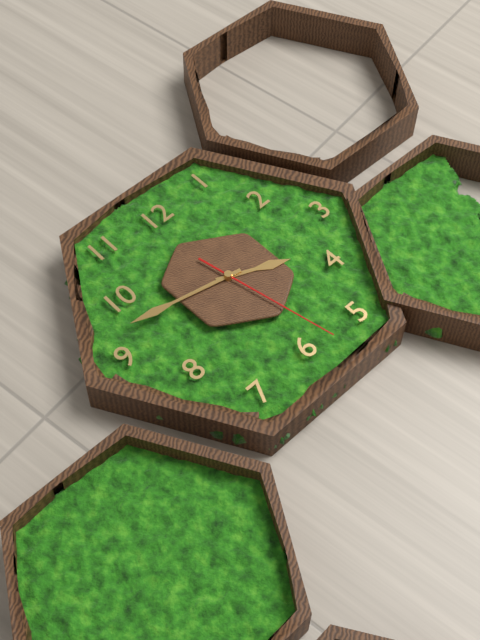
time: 3:47:28
